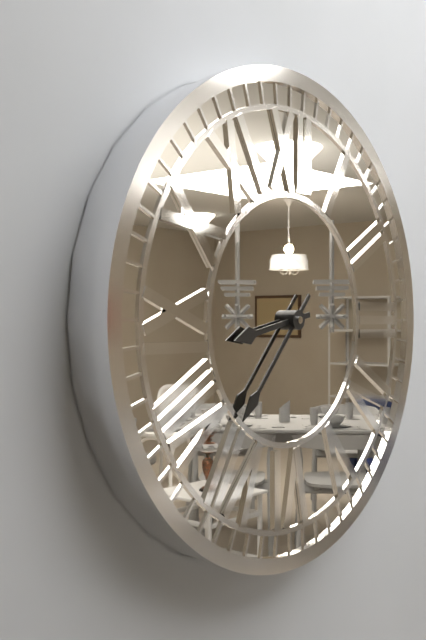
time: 8:37
